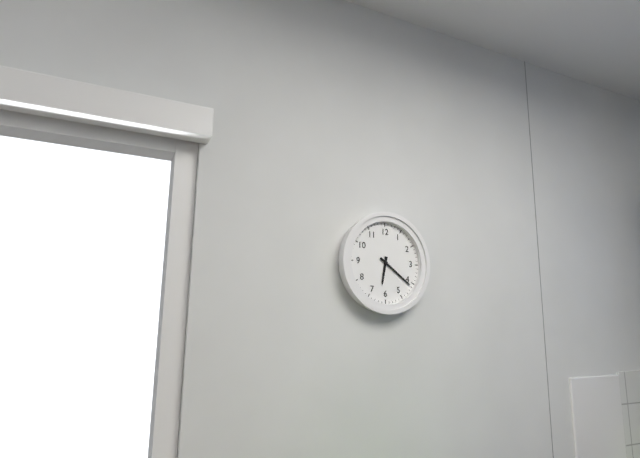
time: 6:21
